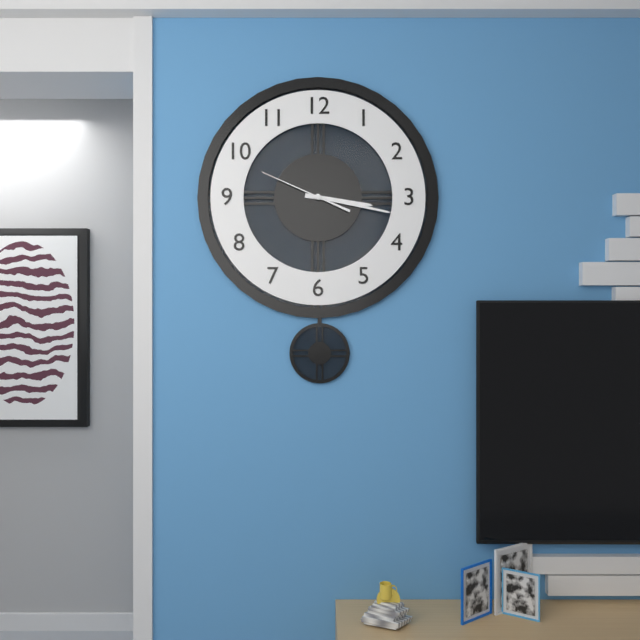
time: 3:17:49
